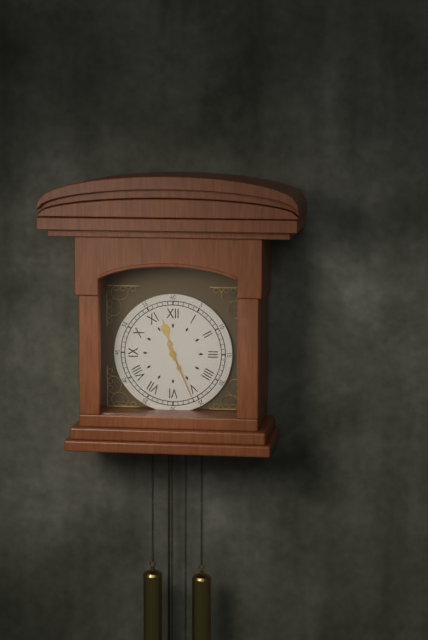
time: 11:26
